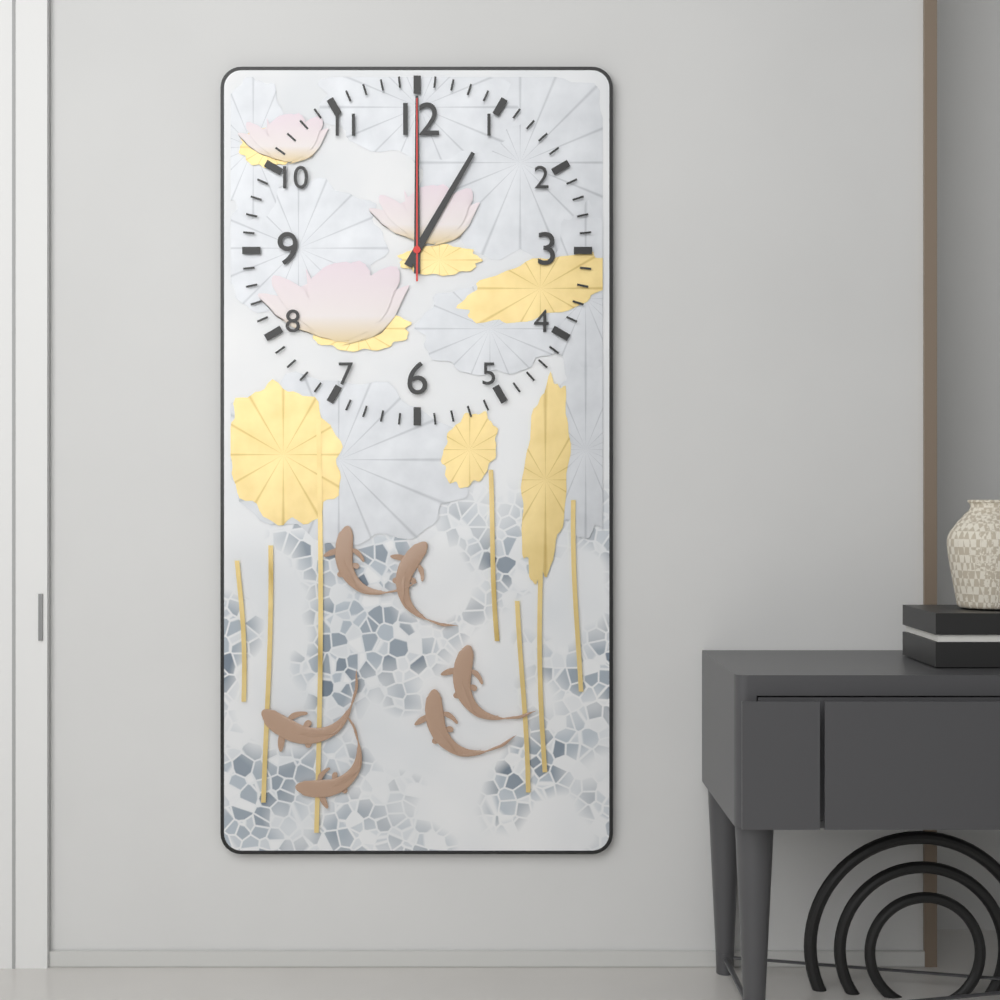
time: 1:00:00
